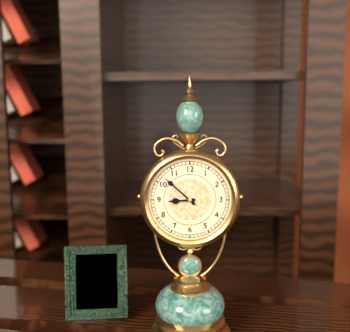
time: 8:52
